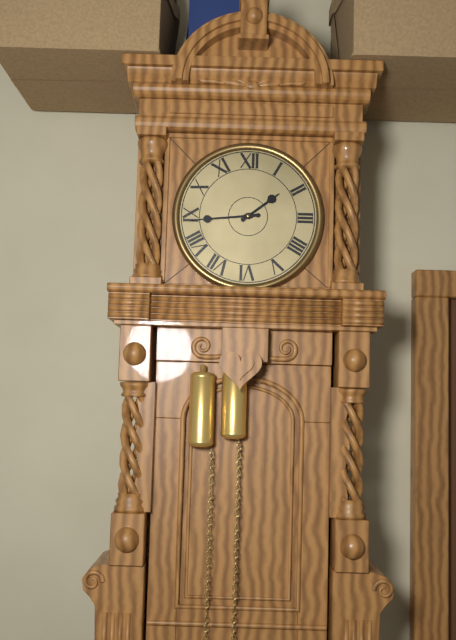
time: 1:44
